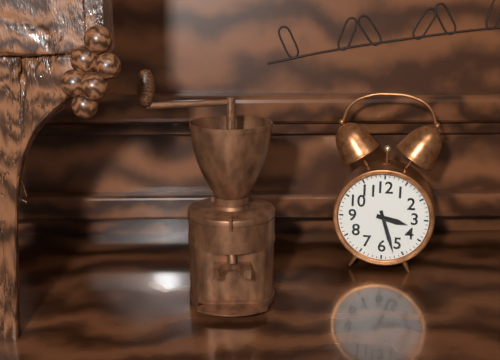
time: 3:27
